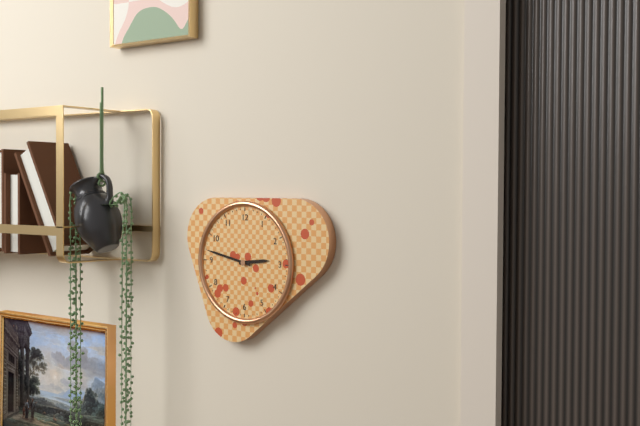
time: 2:47
